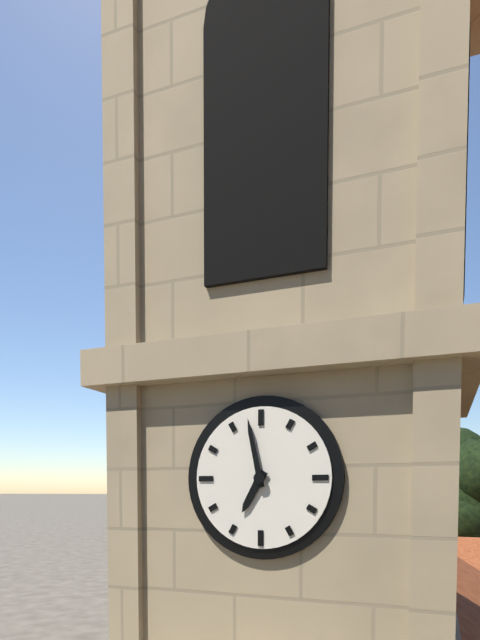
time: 6:58
